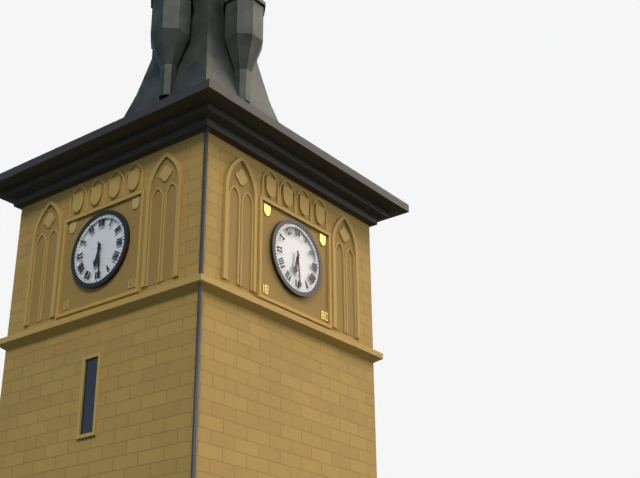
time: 6:29
